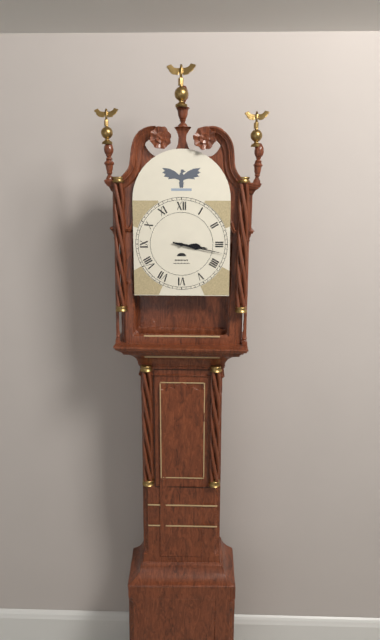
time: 3:17
